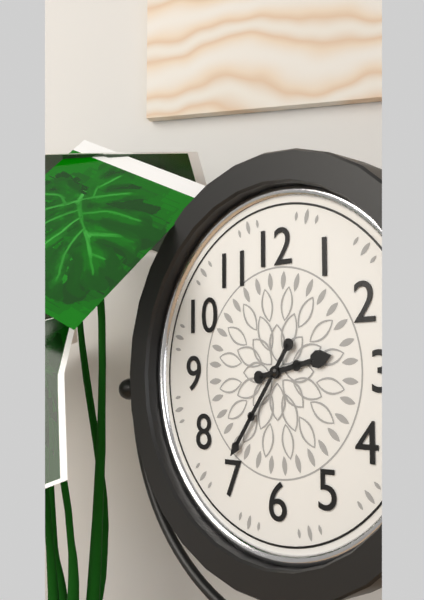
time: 2:36
